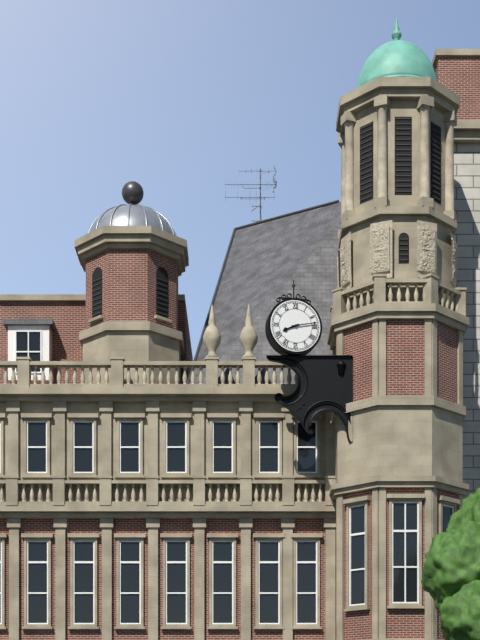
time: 8:13
